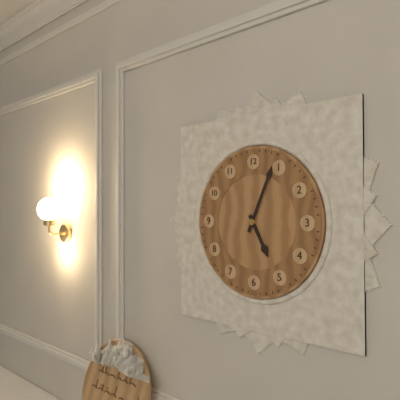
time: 5:04
